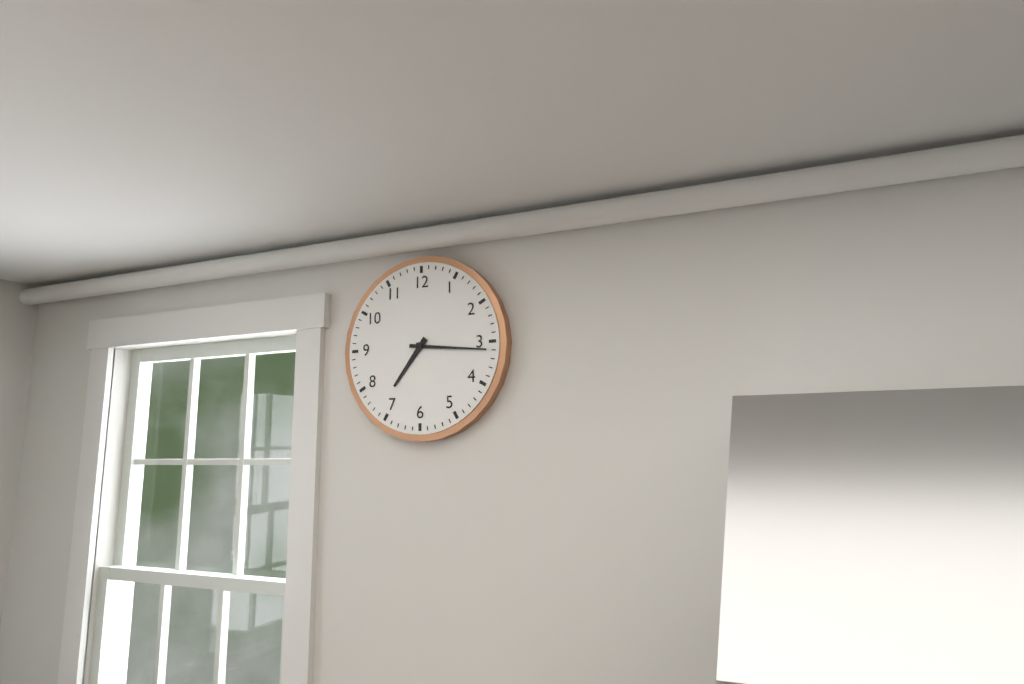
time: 7:16
